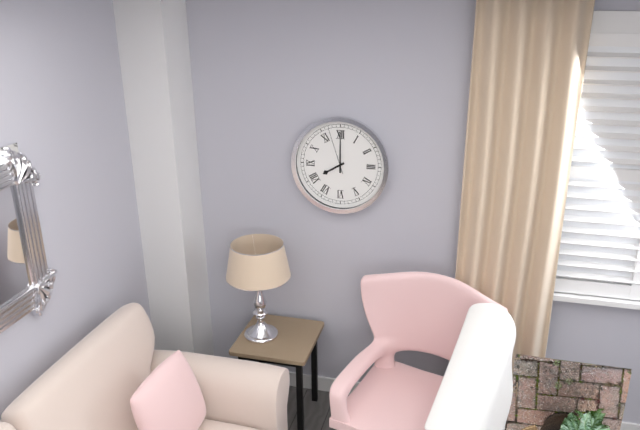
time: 8:00
